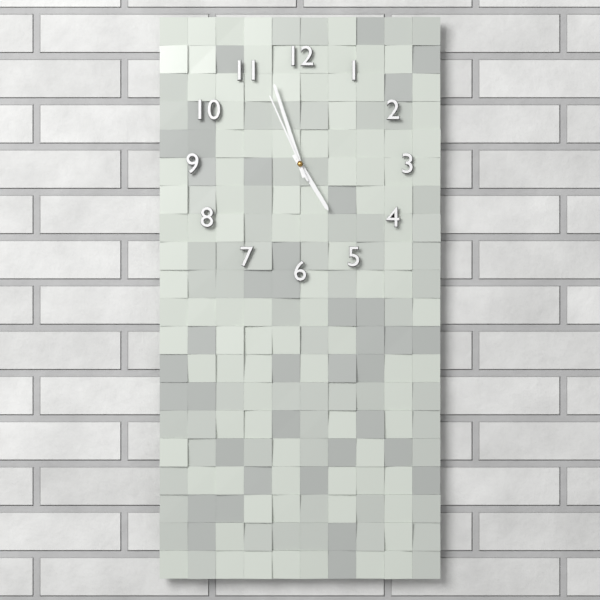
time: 4:57:56
